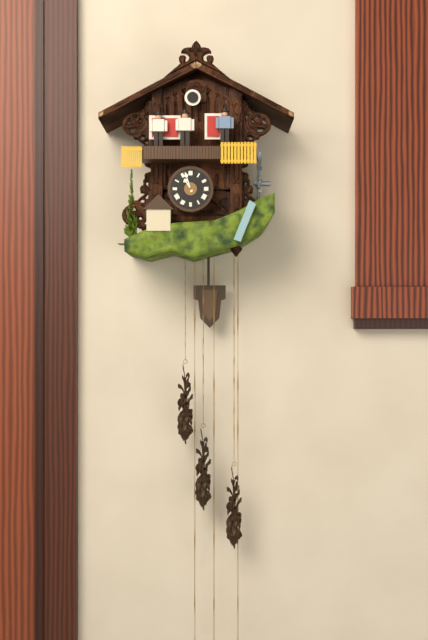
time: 10:57
